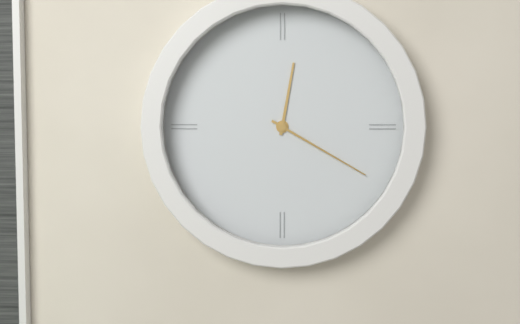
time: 12:20
